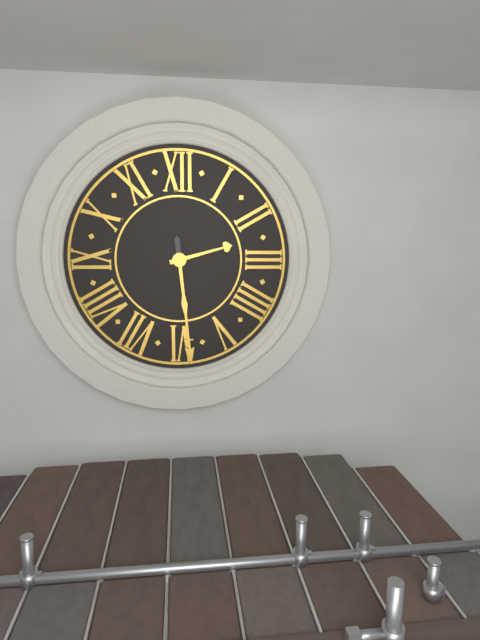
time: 2:29
